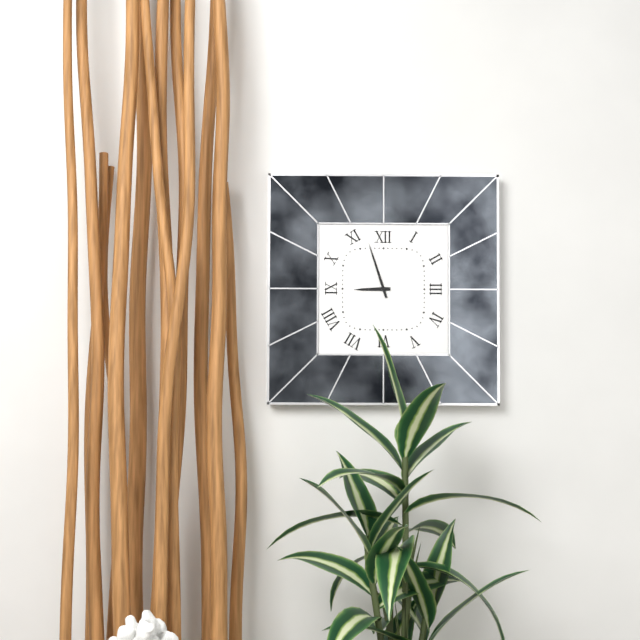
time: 8:57
